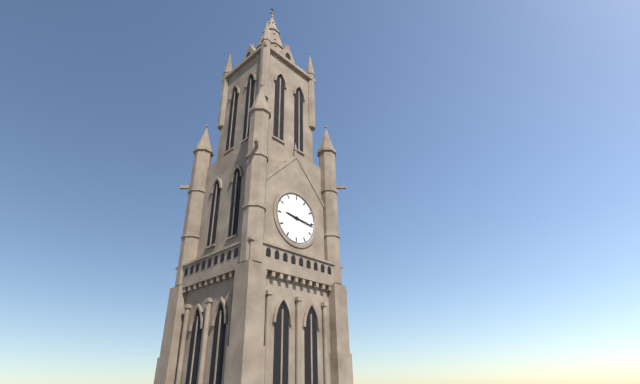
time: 9:16
